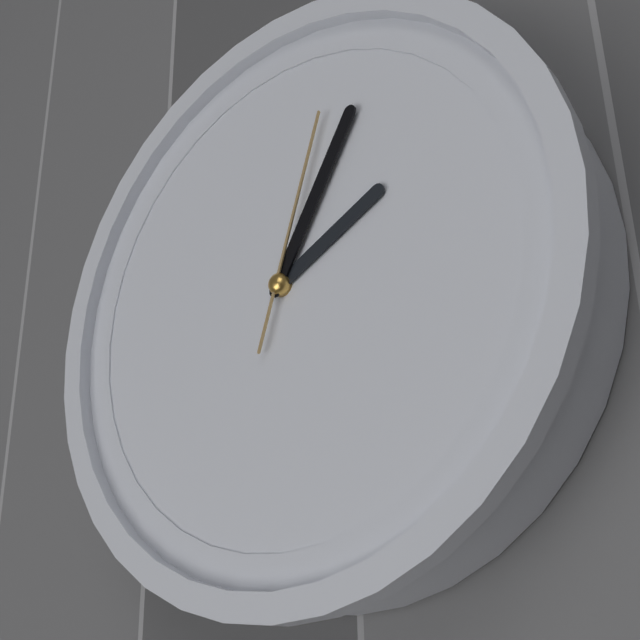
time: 2:05:03
